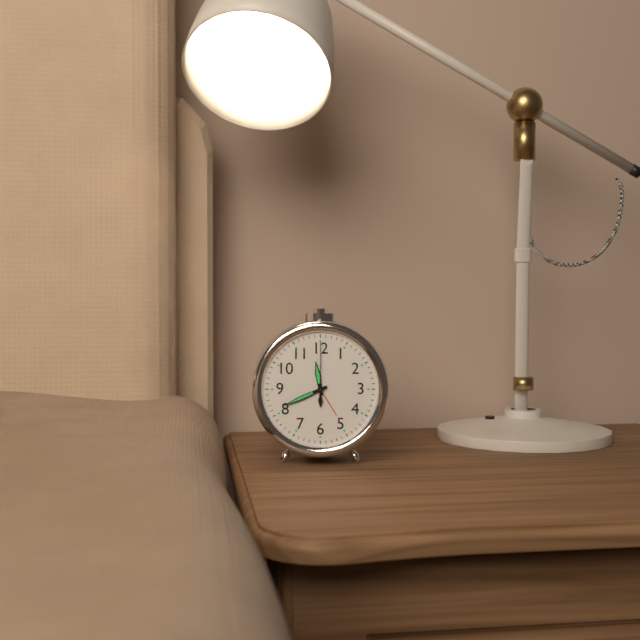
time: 11:41:00
